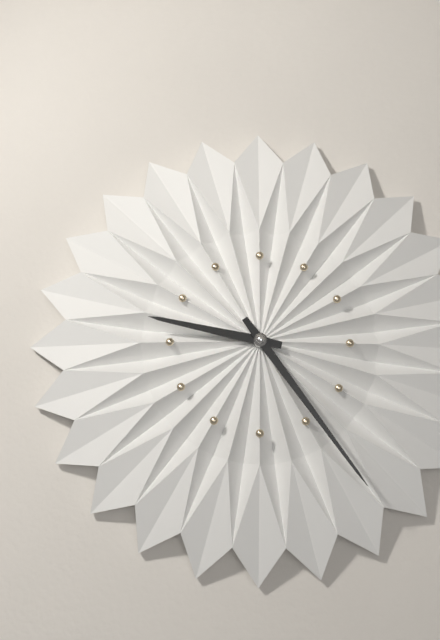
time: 9:24
